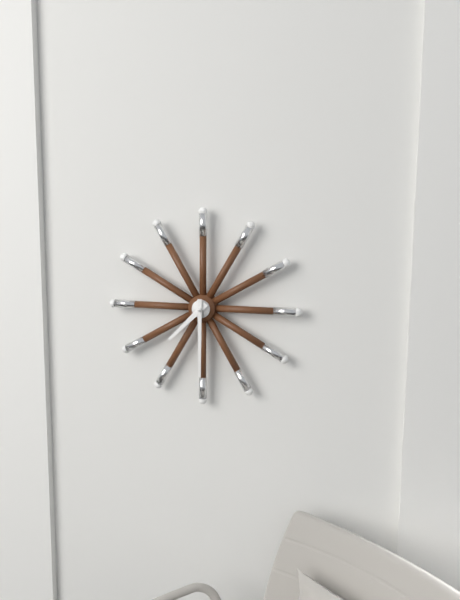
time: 7:30
